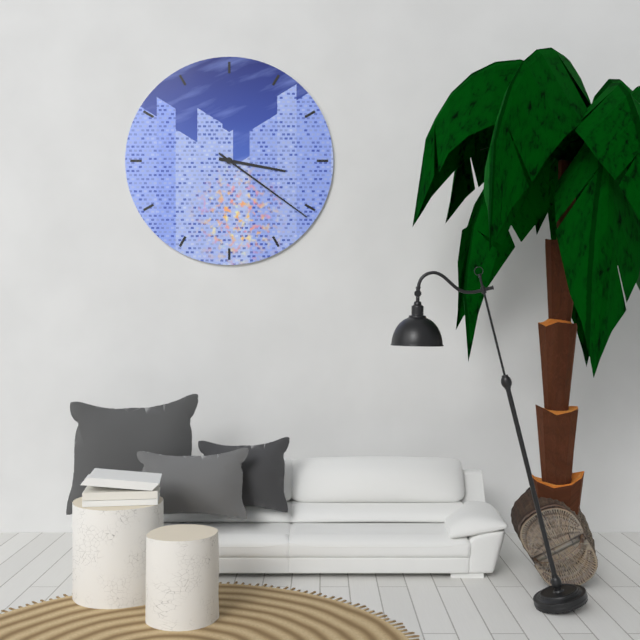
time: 3:21
